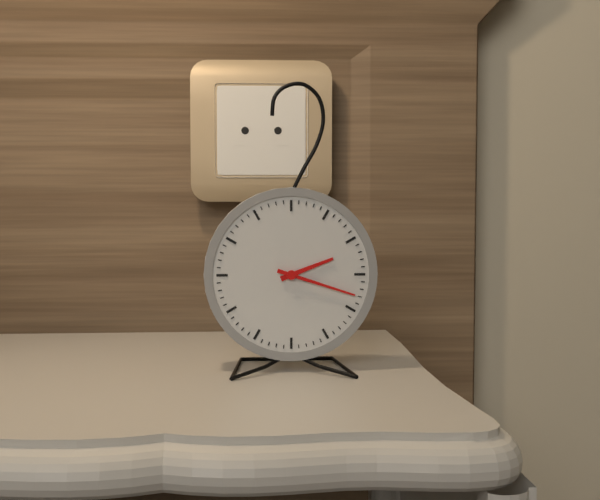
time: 2:18
